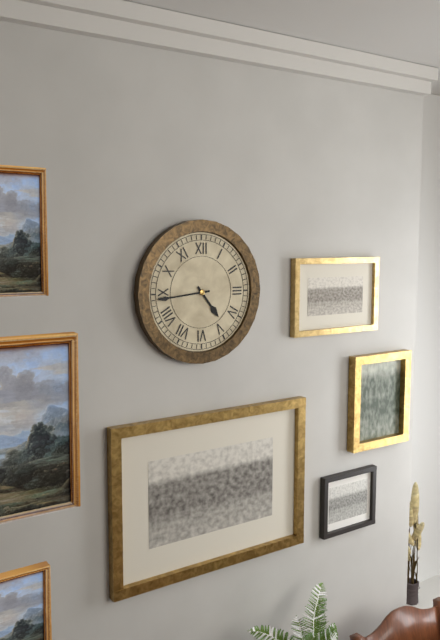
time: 4:44
